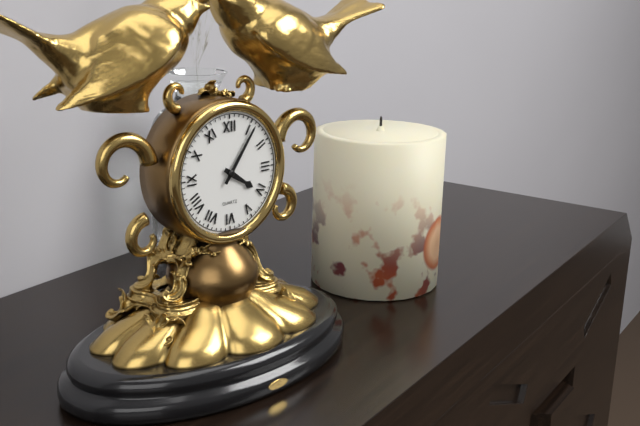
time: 4:06
